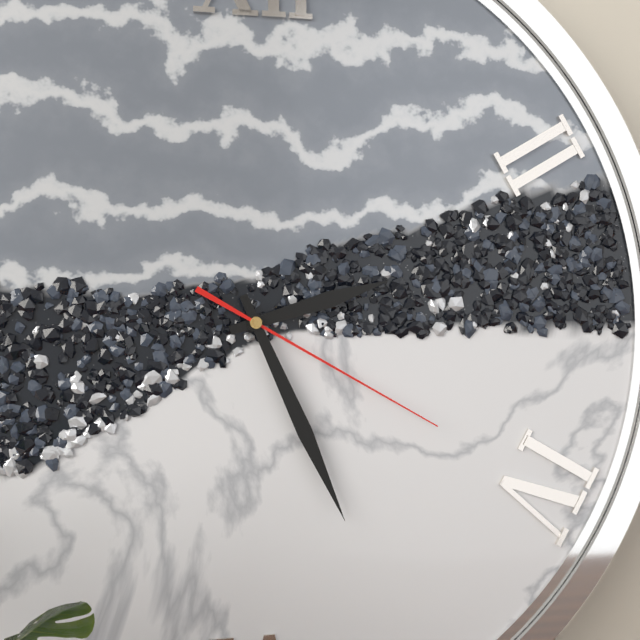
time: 2:26:20
